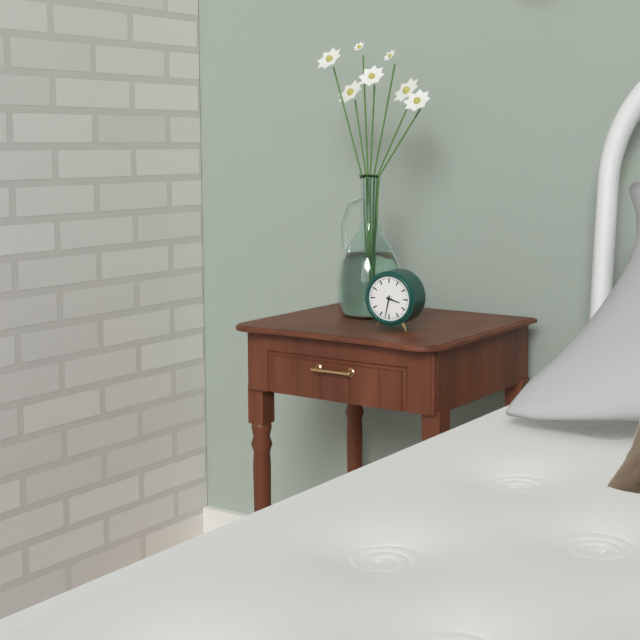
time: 3:32
